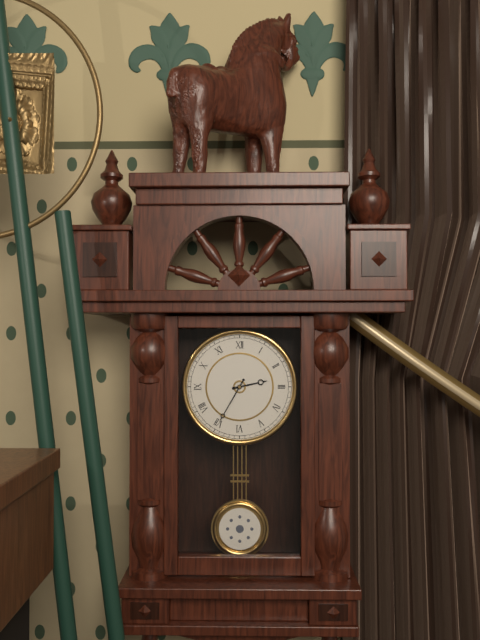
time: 2:35
